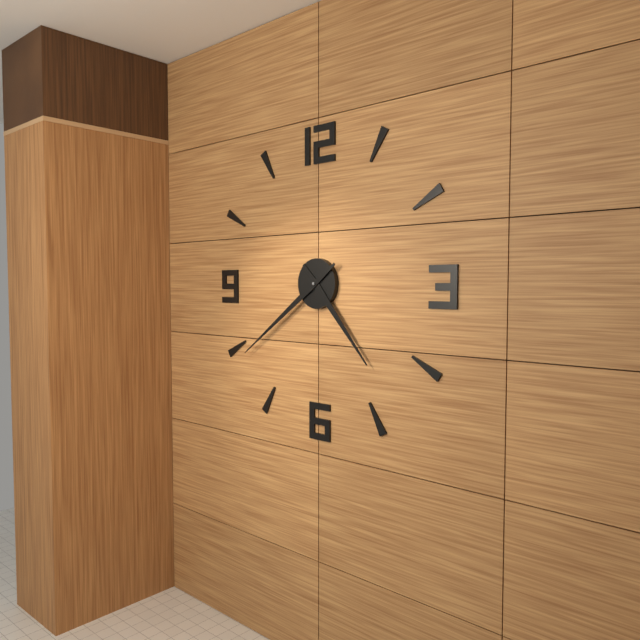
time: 4:39
